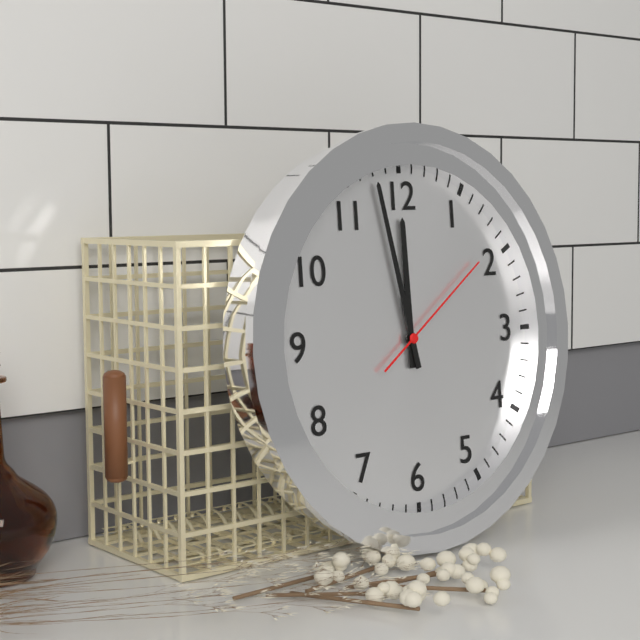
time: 11:58:09
